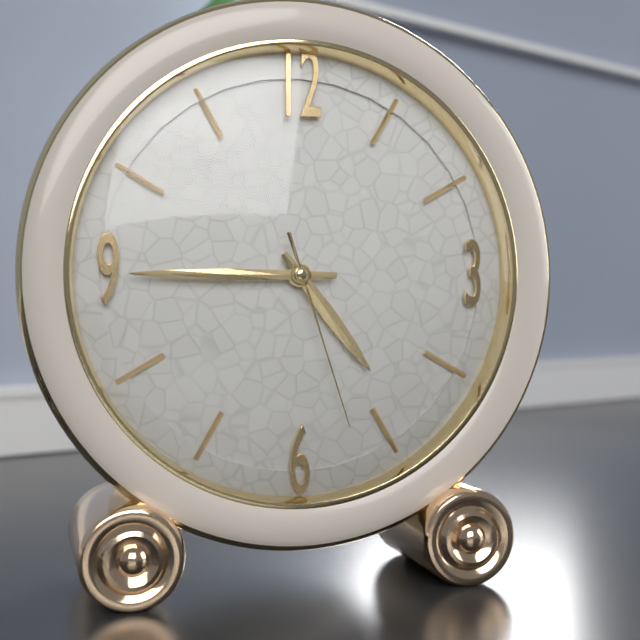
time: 4:45:27
